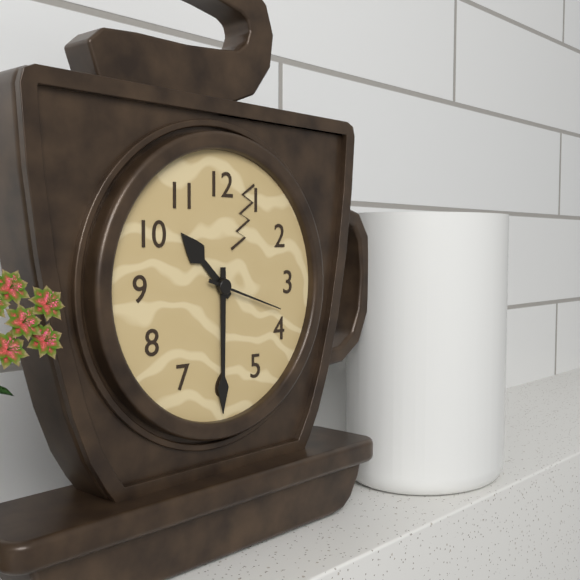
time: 10:30:18
